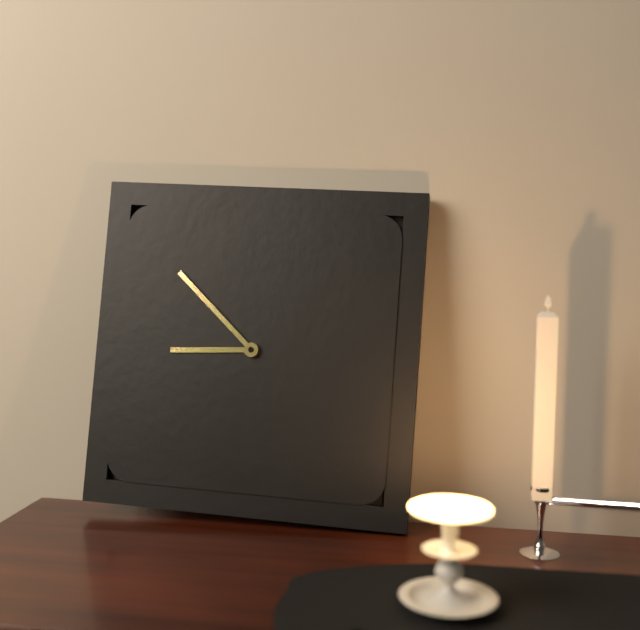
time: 8:52
